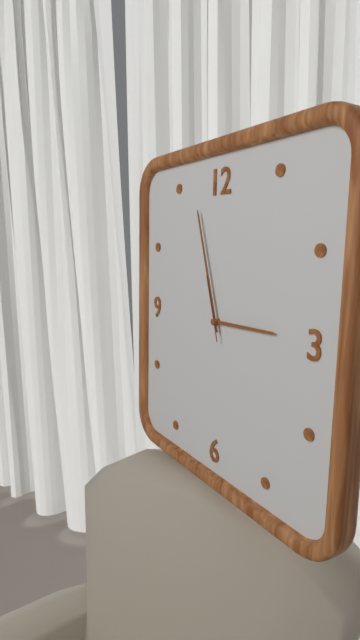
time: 2:57:57
